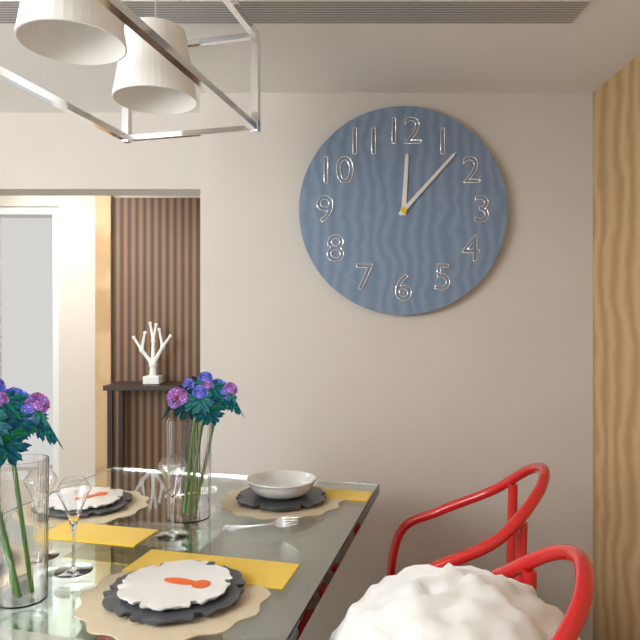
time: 12:07
